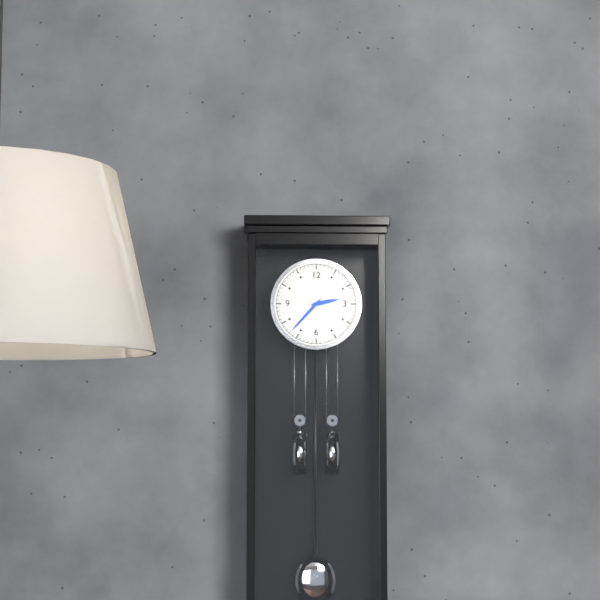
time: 2:37
